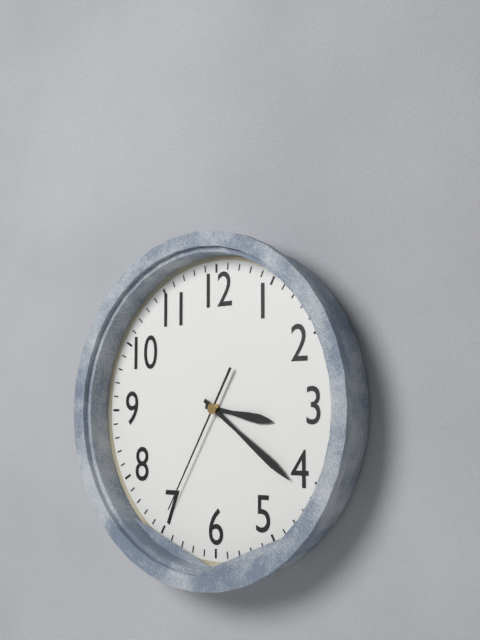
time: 3:21:35
